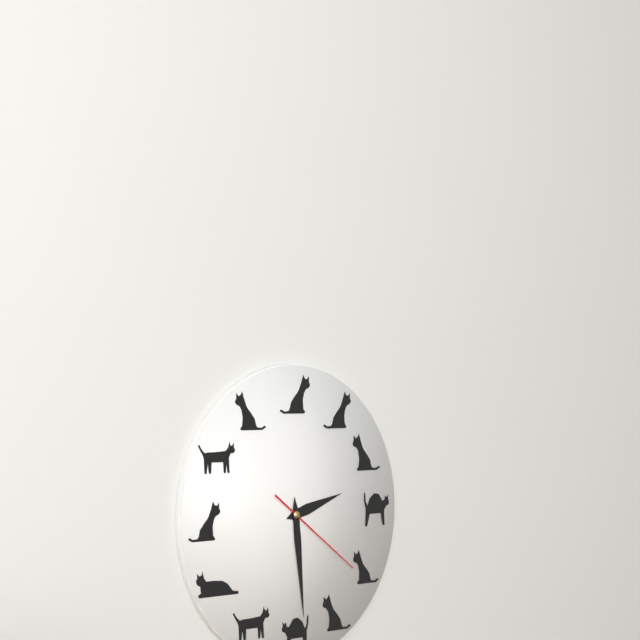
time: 2:29:21
